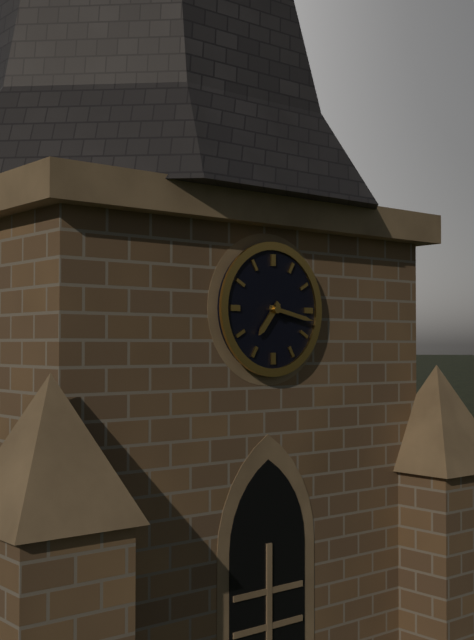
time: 7:17
